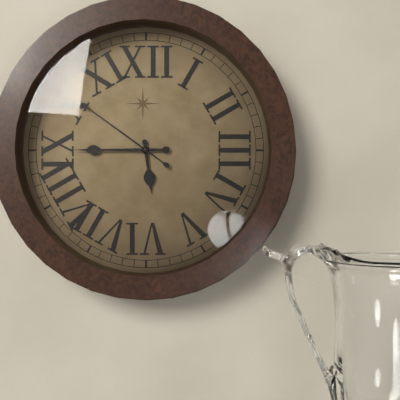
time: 5:45:51
